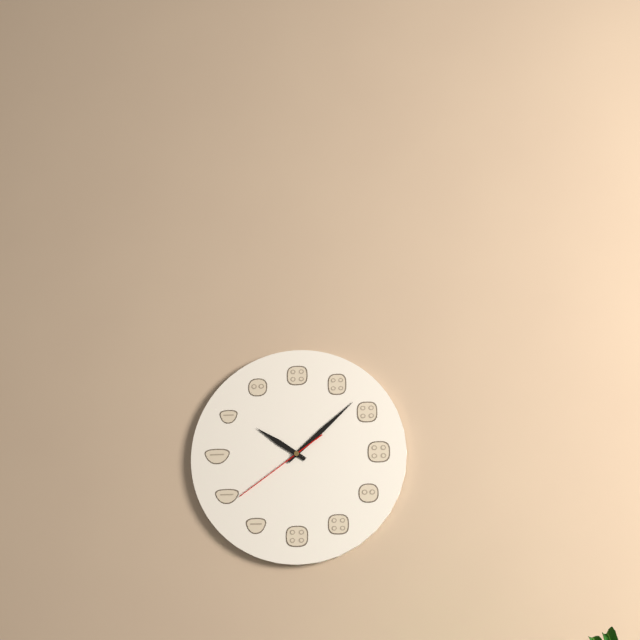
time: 10:08:39
